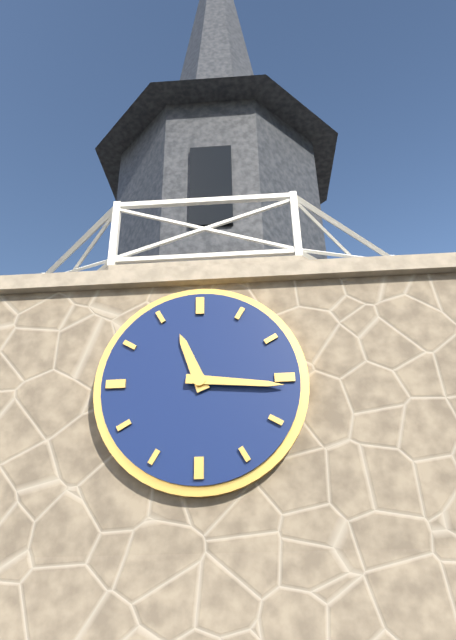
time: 11:16
